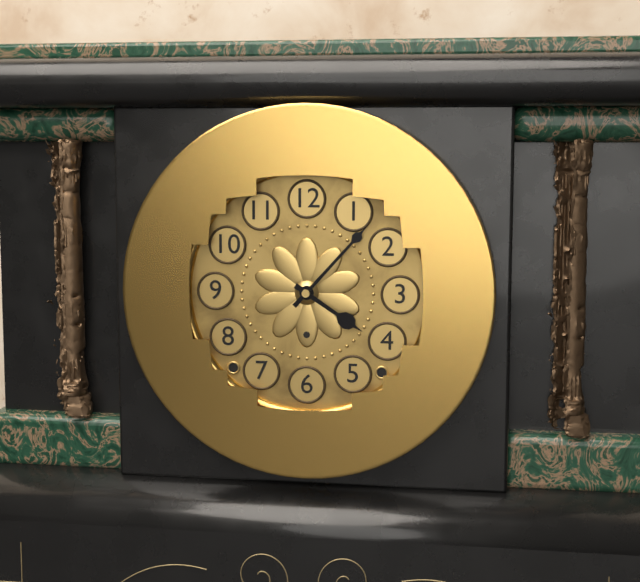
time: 4:07
